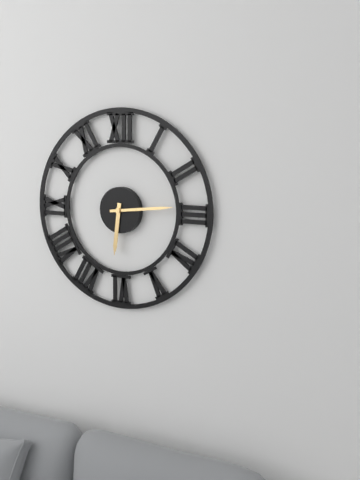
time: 6:14
